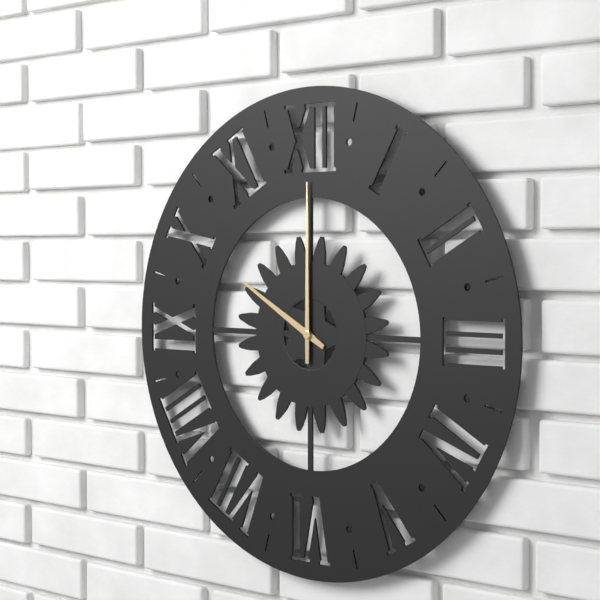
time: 10:00
